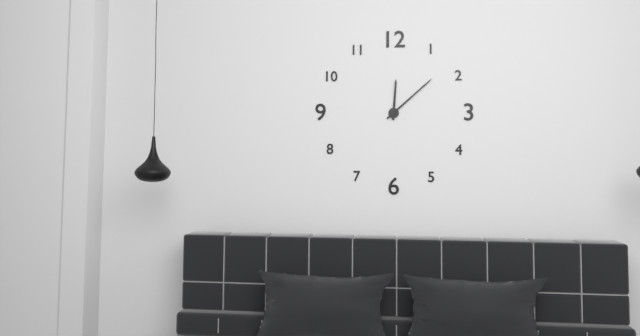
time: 12:08
